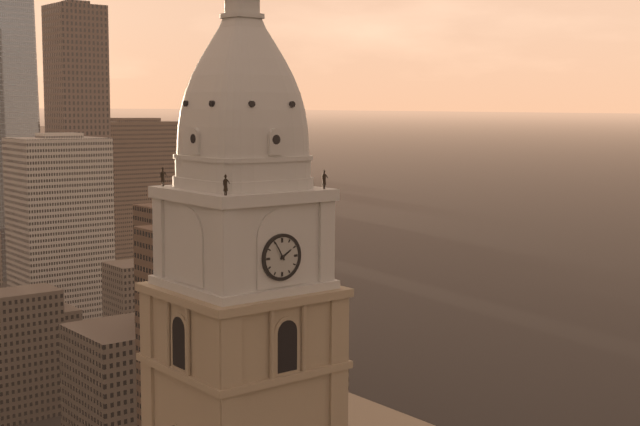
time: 1:55
